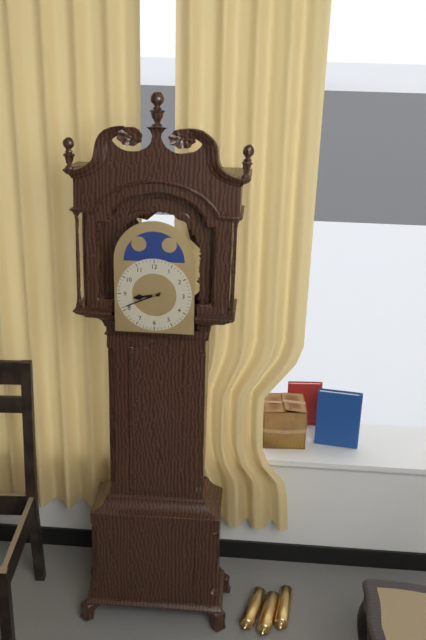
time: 8:41
